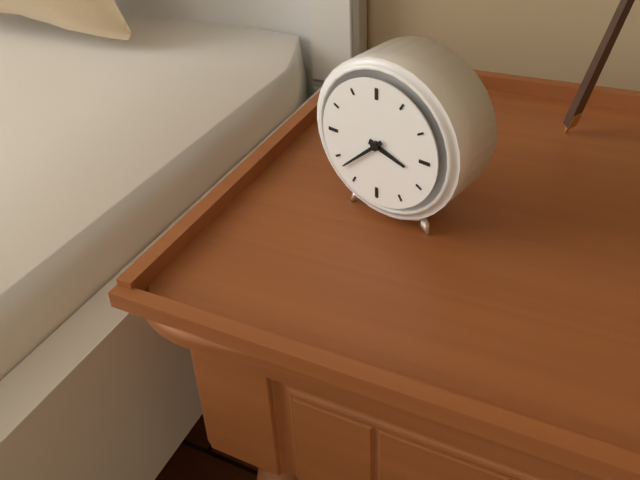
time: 3:38
